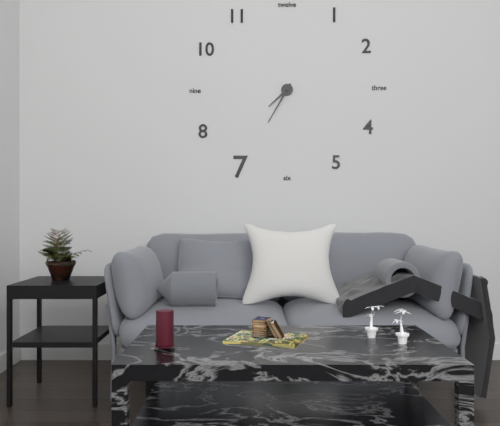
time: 7:35
